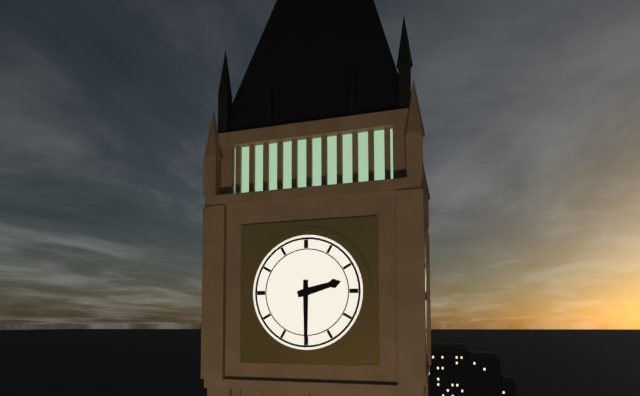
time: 2:30
